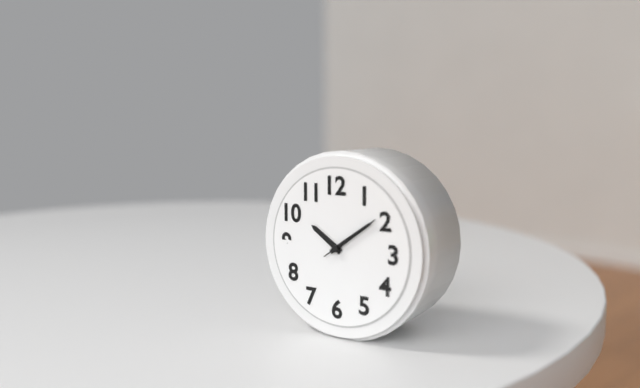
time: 10:09:09
